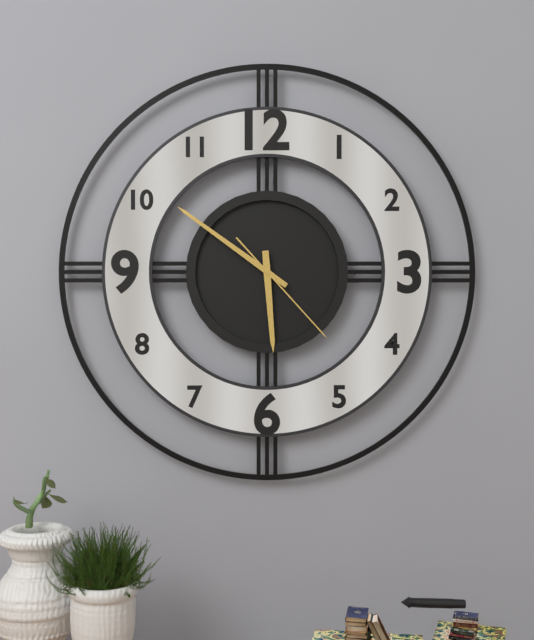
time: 5:51:23
